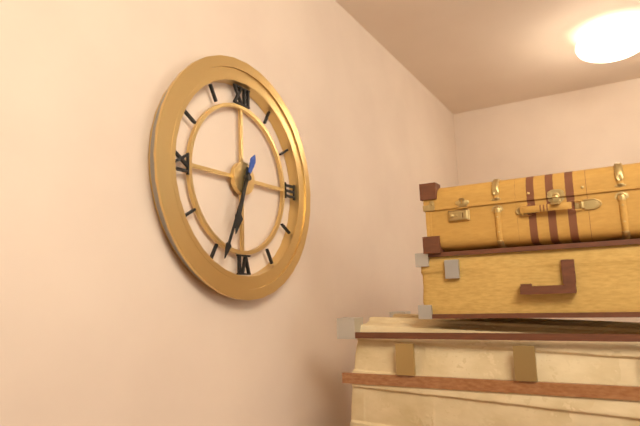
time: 6:34
